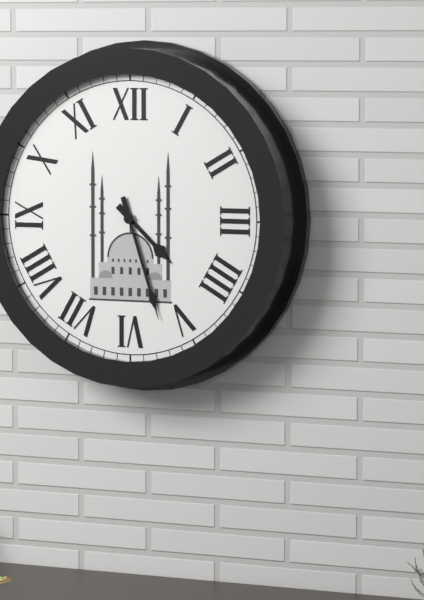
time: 4:27
